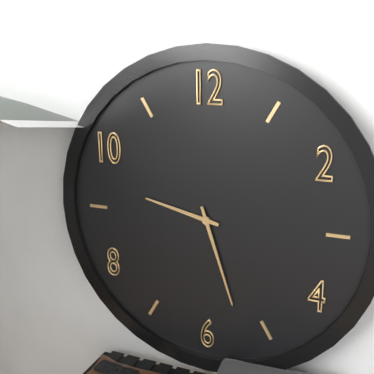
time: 9:27
